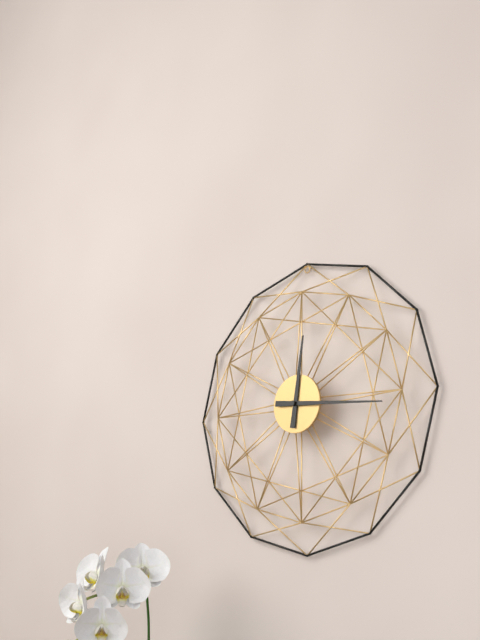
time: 12:16
